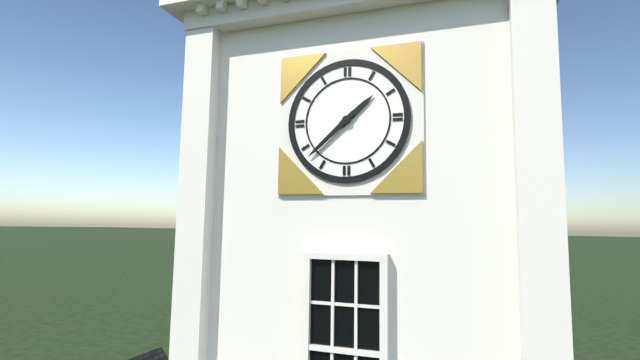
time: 1:38
